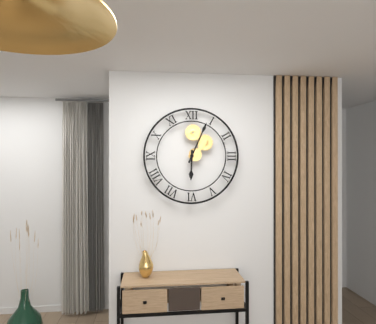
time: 6:04
